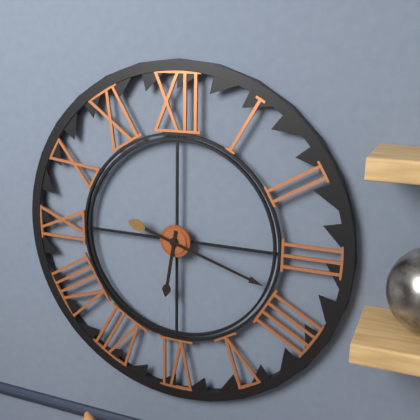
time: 6:18
